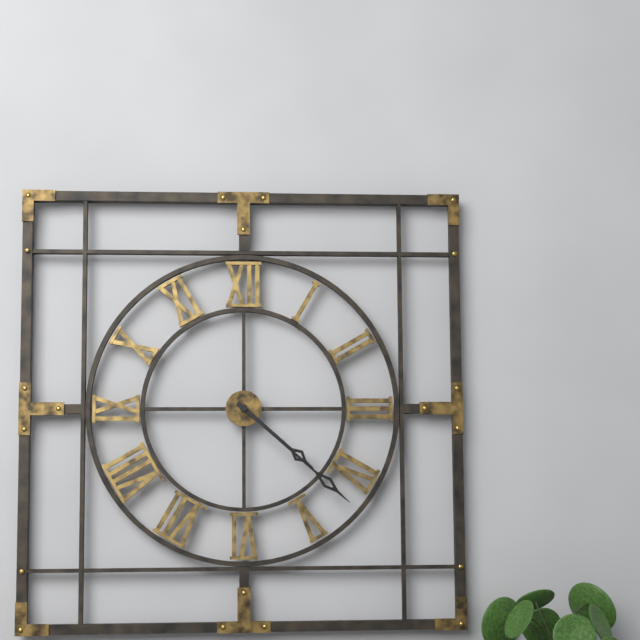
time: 4:22
